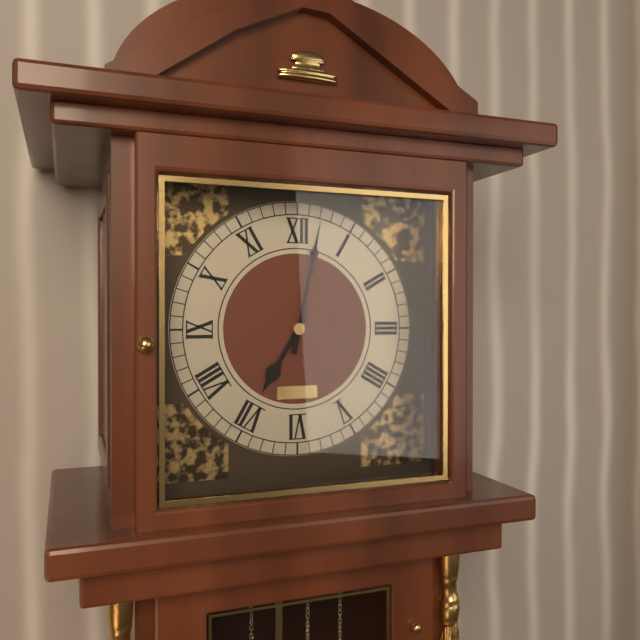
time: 7:02
